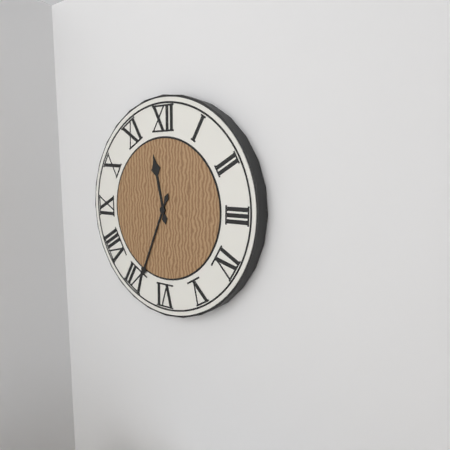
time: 11:34
